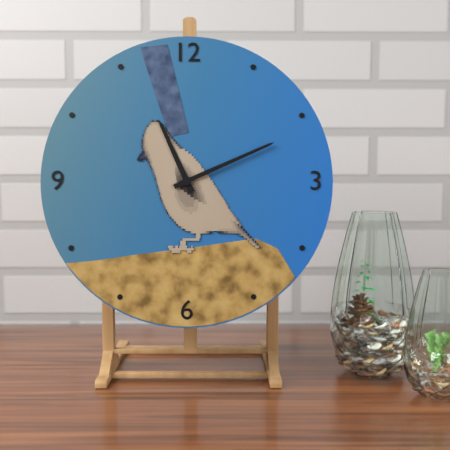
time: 11:11
